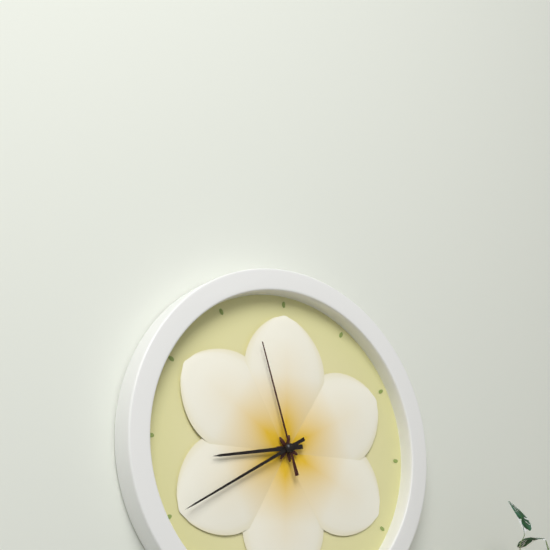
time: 8:40:57
